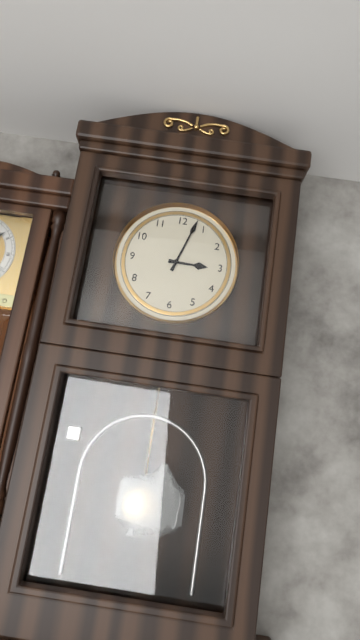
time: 3:03
